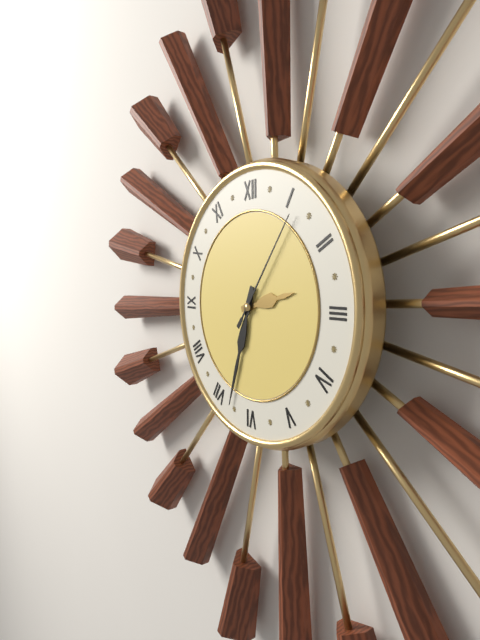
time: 2:33:06
